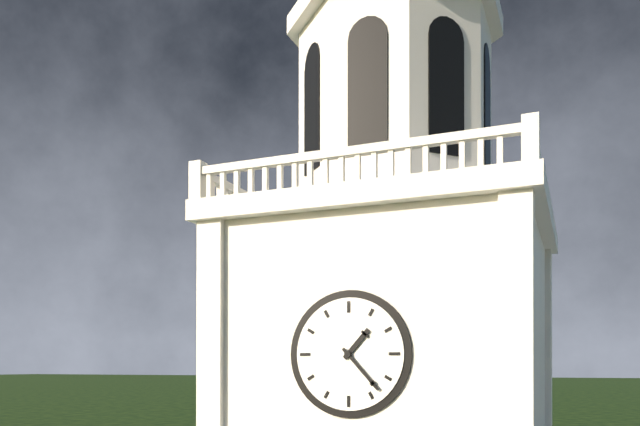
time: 1:23
